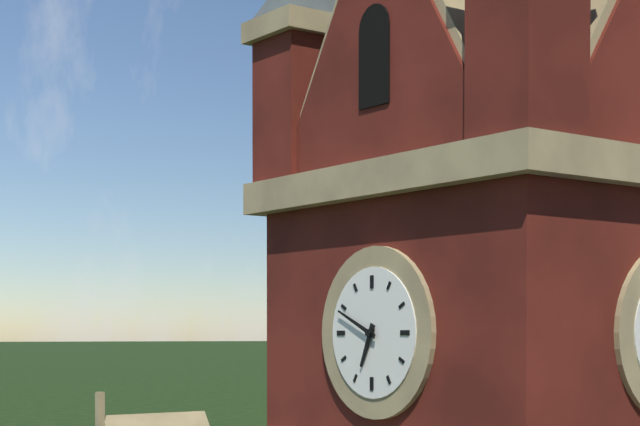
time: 6:49
